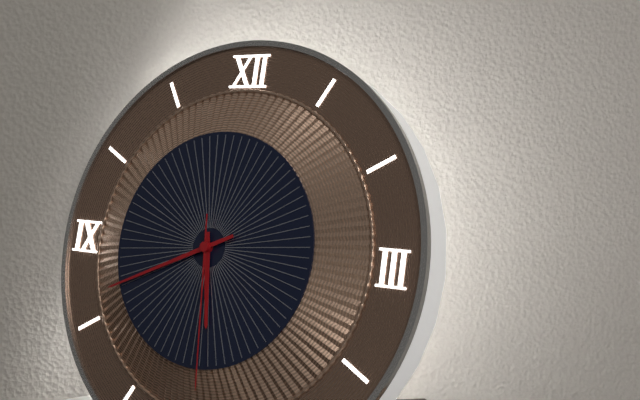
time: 5:41:29
